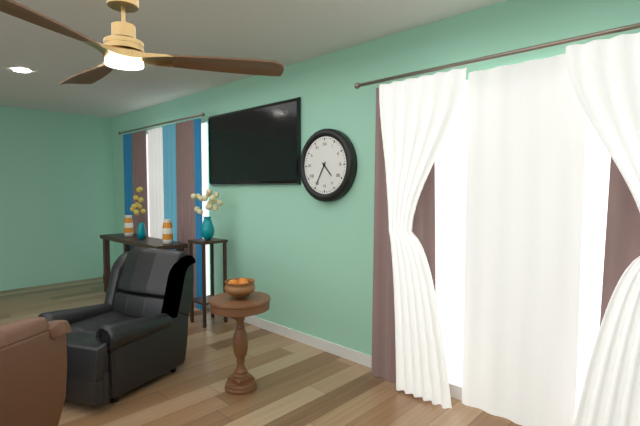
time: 4:35
